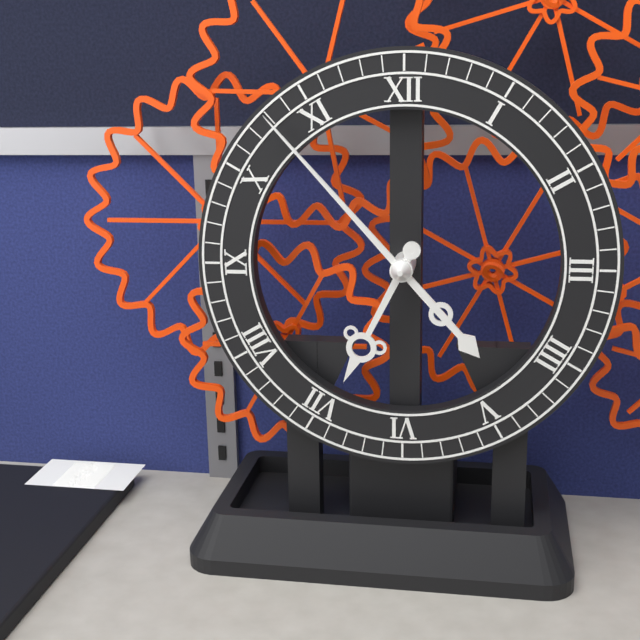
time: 6:53
